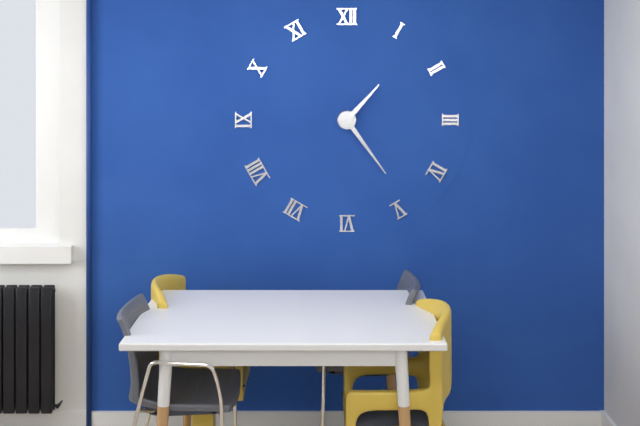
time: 1:24
